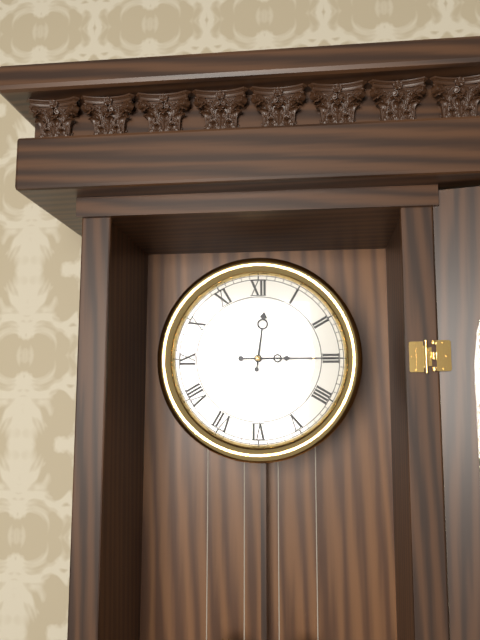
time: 12:15
